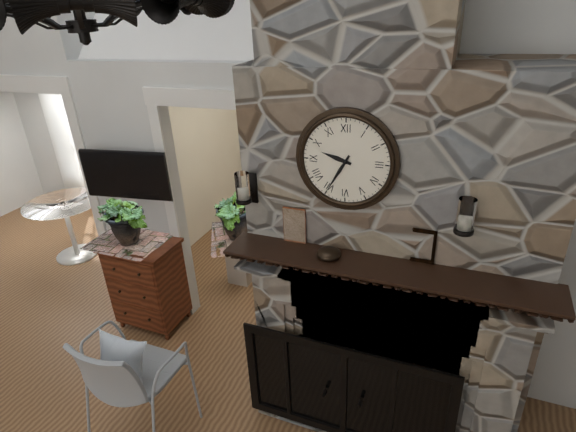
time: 9:35
